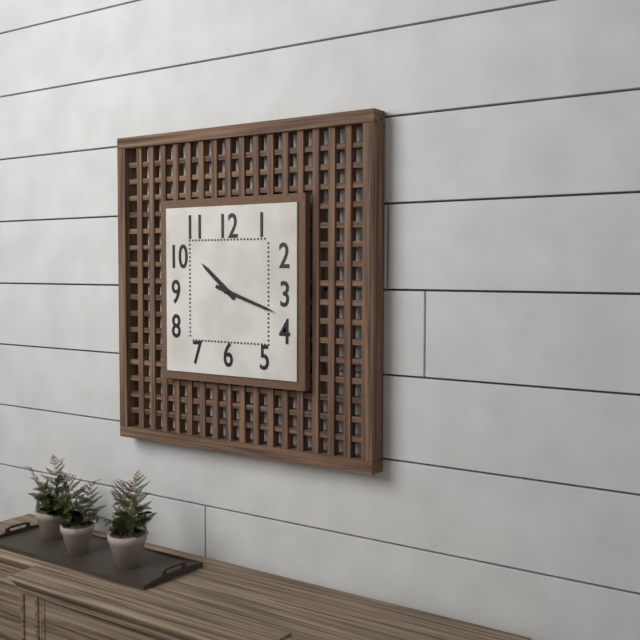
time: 10:18
